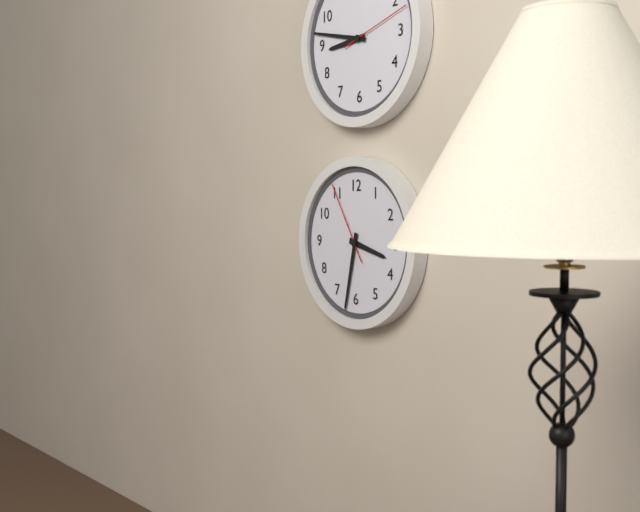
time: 3:32:55
